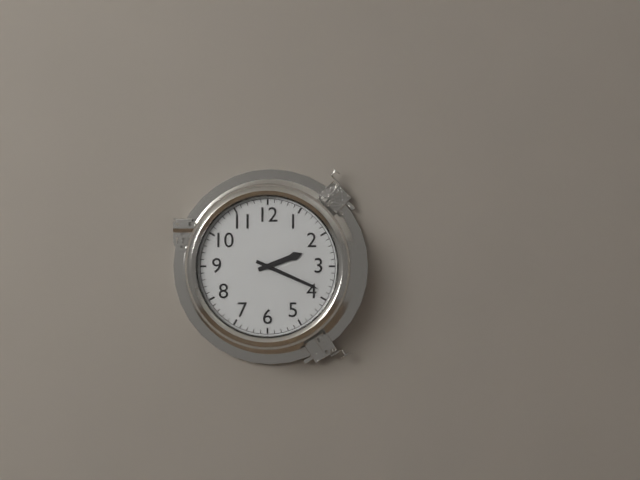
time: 2:19
